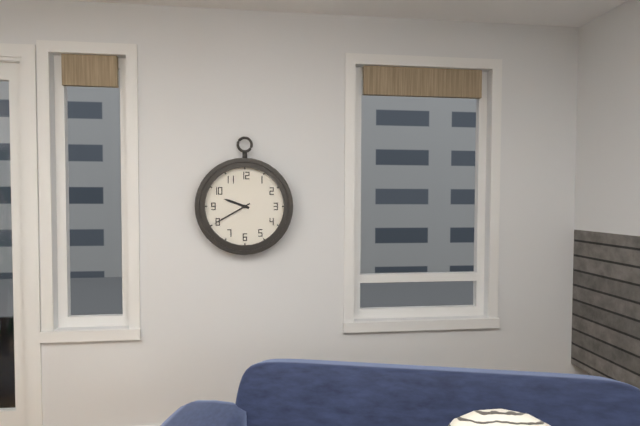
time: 9:40
